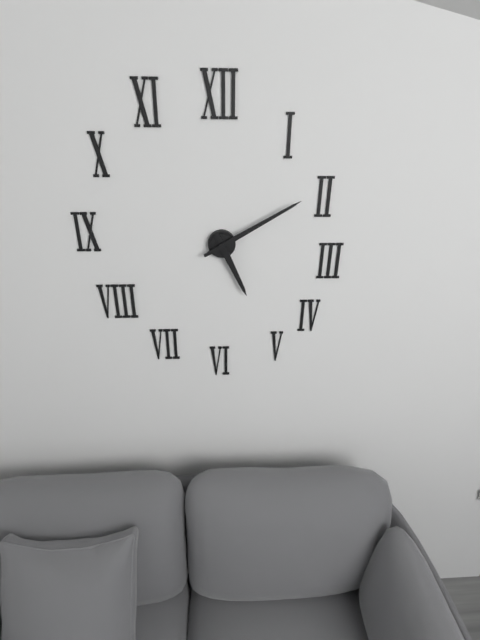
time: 5:10
